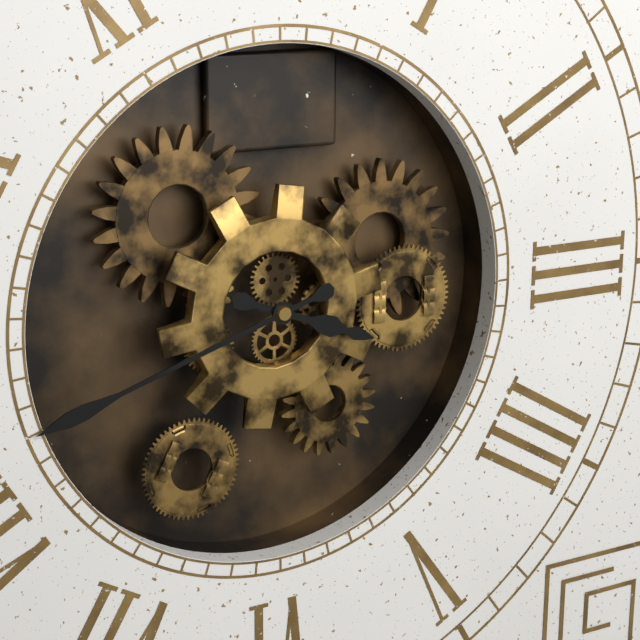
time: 3:42
